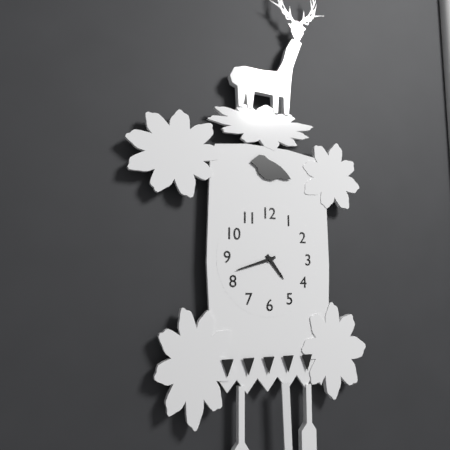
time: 4:42
